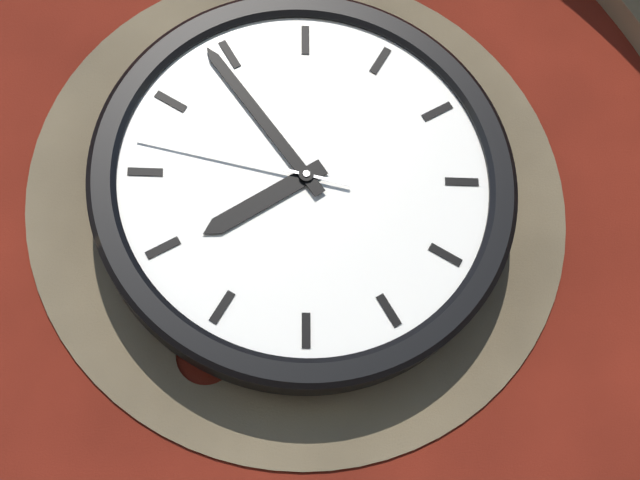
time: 7:54:47
